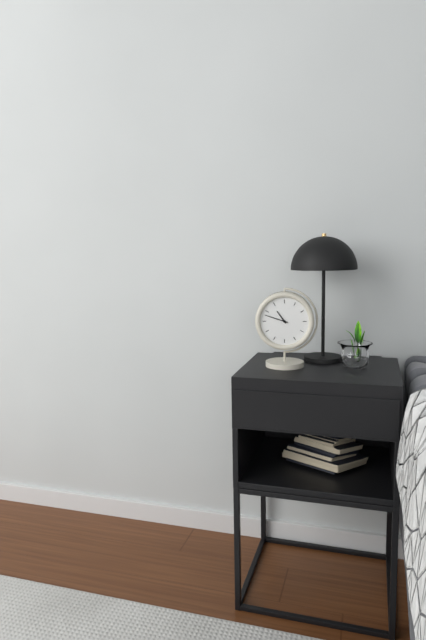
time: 10:48
